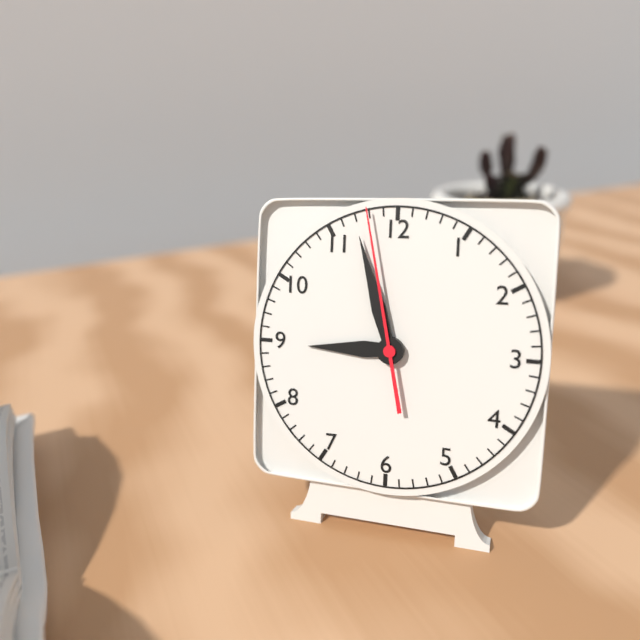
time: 8:57:58
